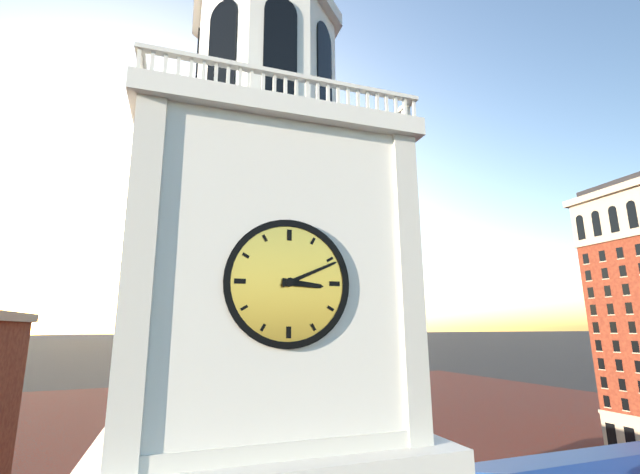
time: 3:11
